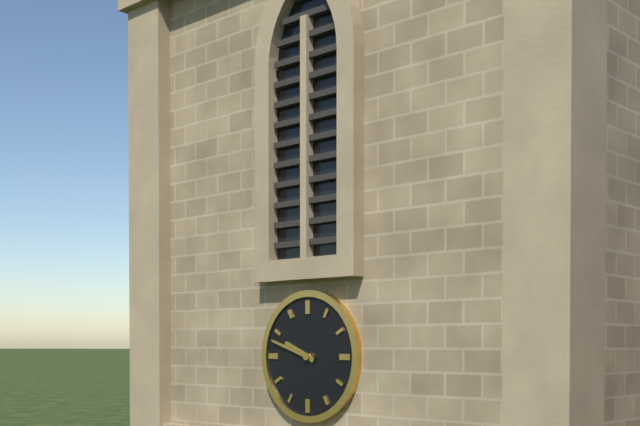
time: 9:48
